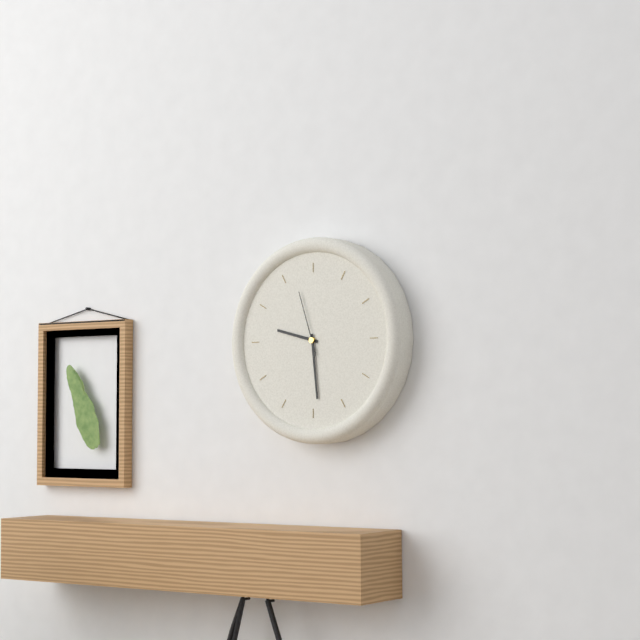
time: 9:29:57
